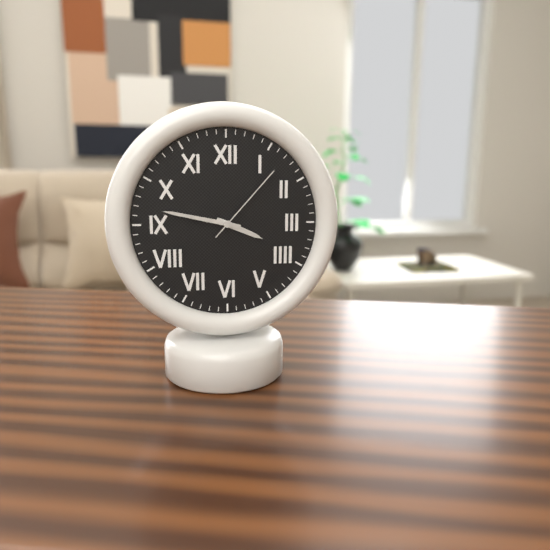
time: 3:47:07
